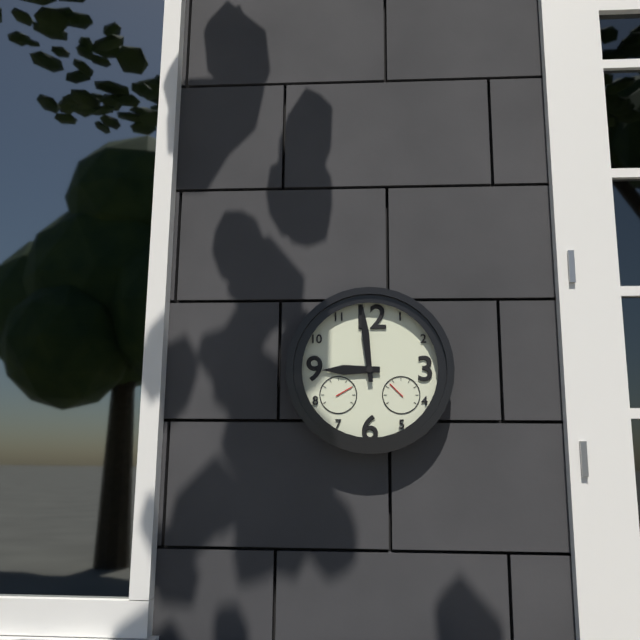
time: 8:59
